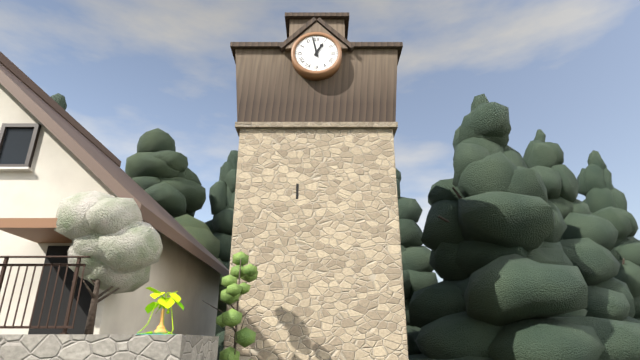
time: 12:58
